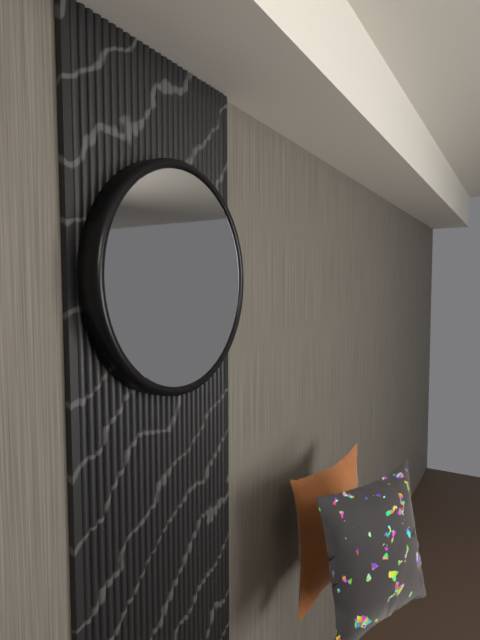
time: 8:36
